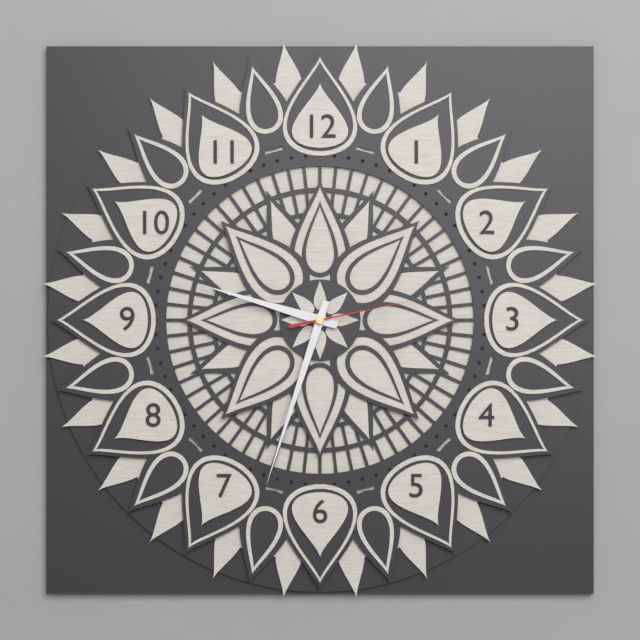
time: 9:33:13
